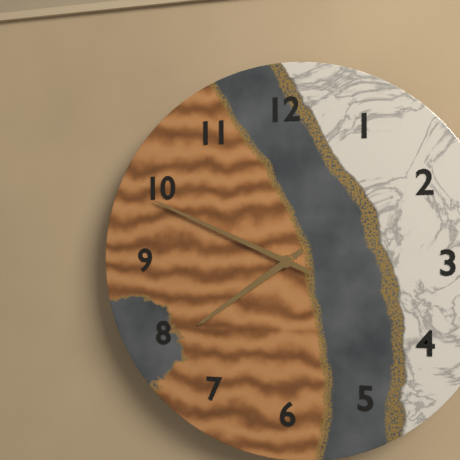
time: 7:49
